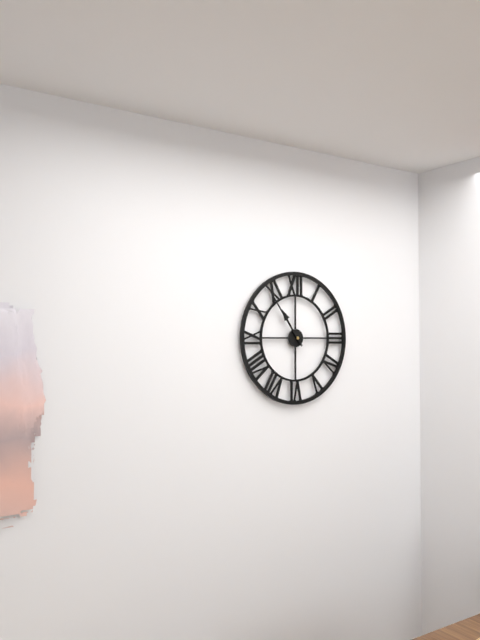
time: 10:54
